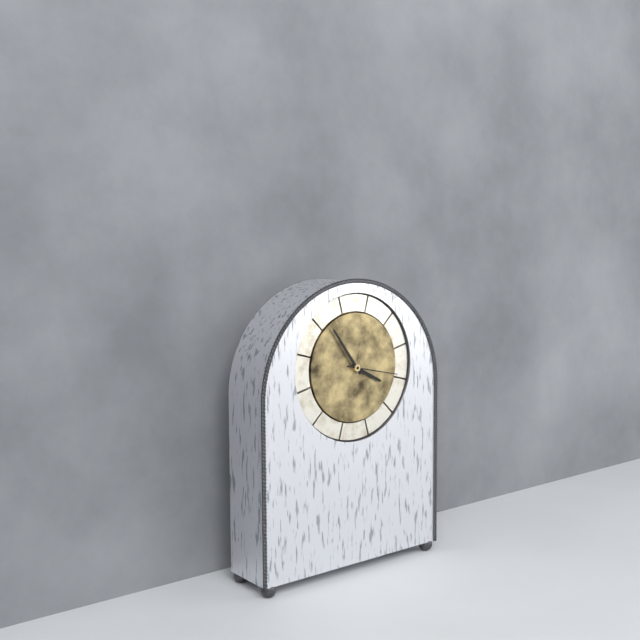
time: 3:54:17
